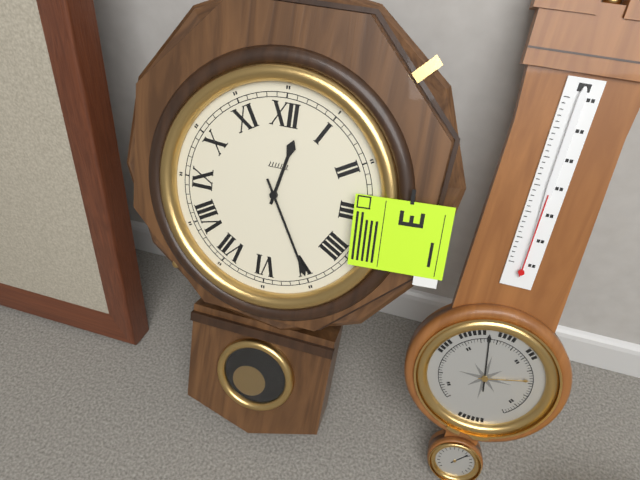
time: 12:25
